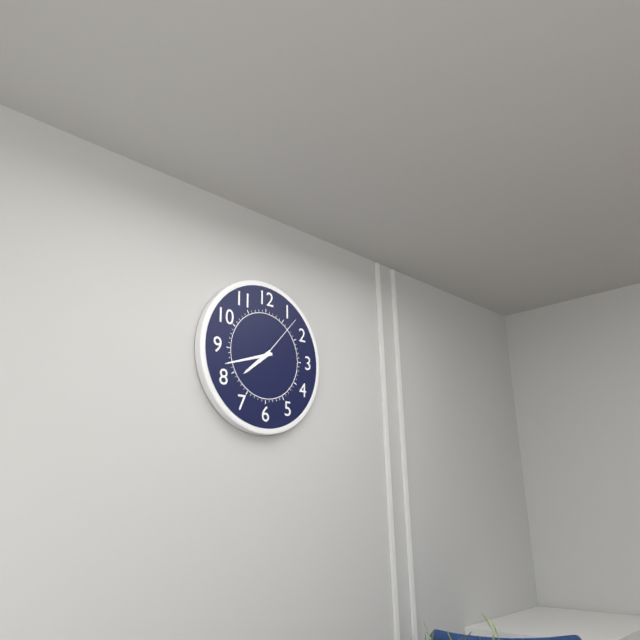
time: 7:42:07
